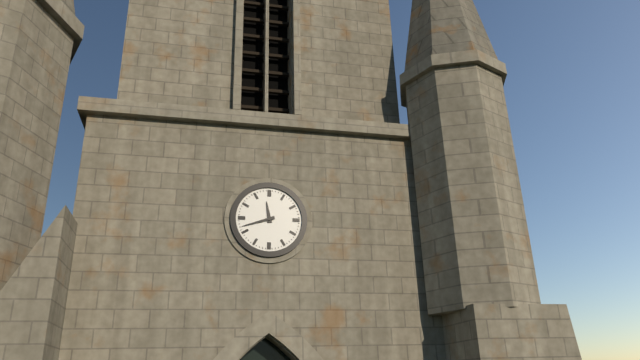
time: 11:42
